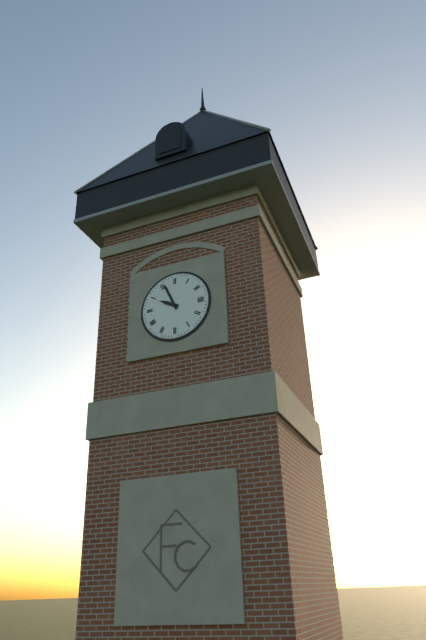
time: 9:56
